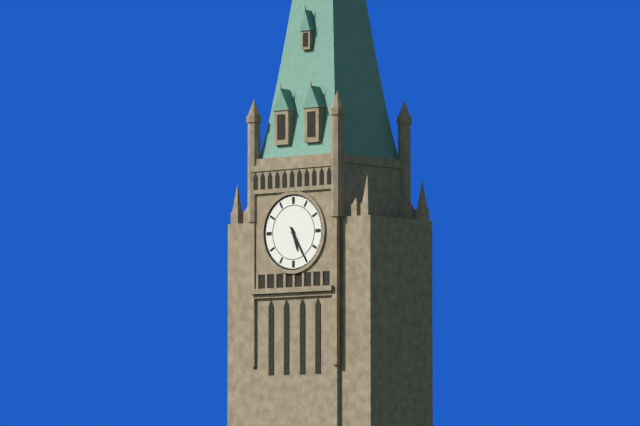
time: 5:25
